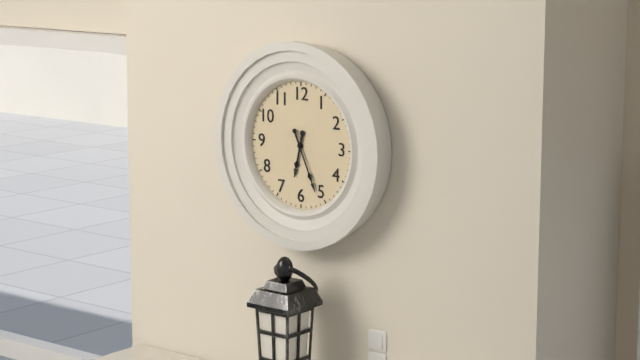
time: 6:26
